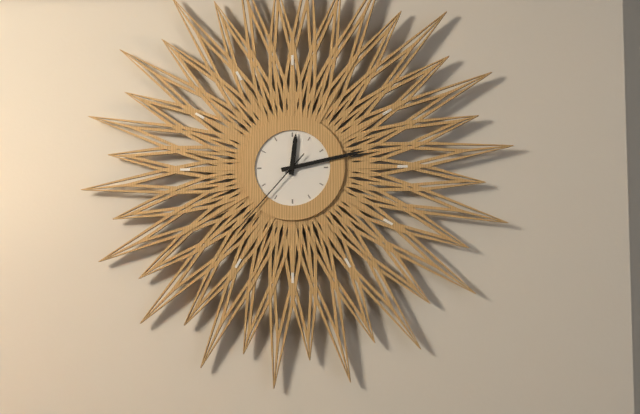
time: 12:13:37
